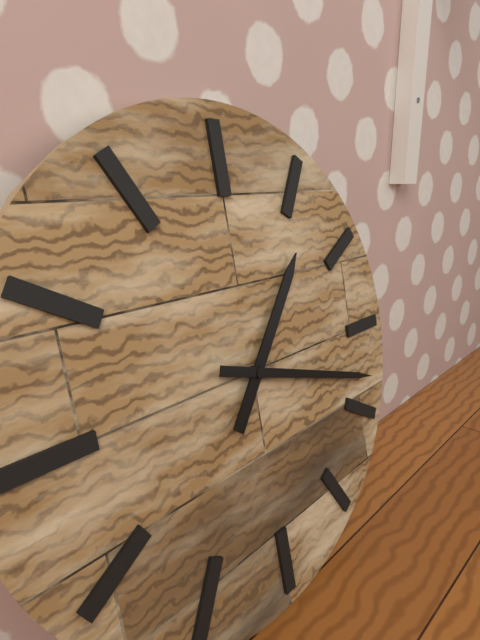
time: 1:18
